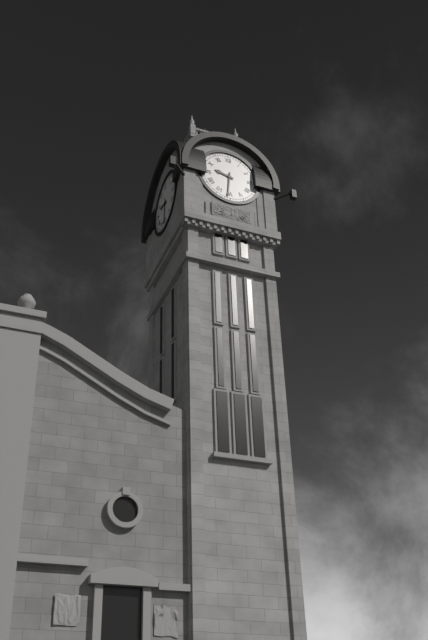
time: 9:31
